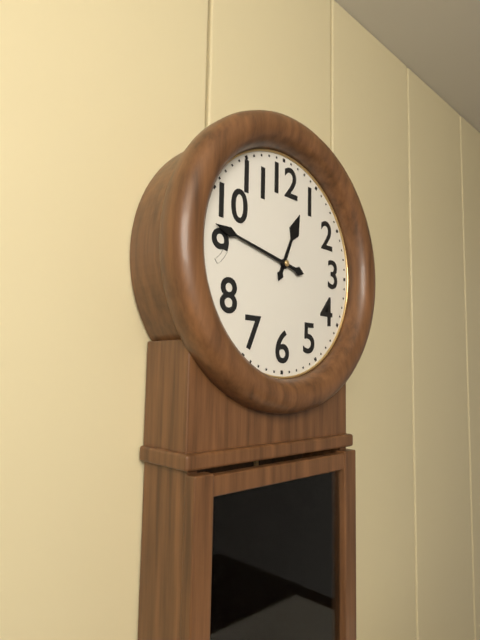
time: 12:47
